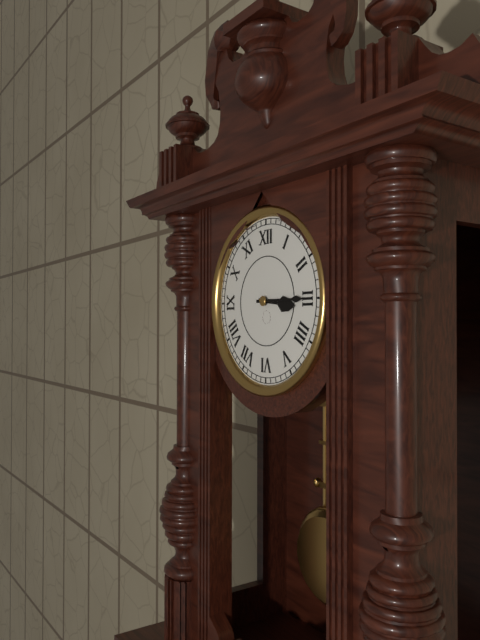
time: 3:15
